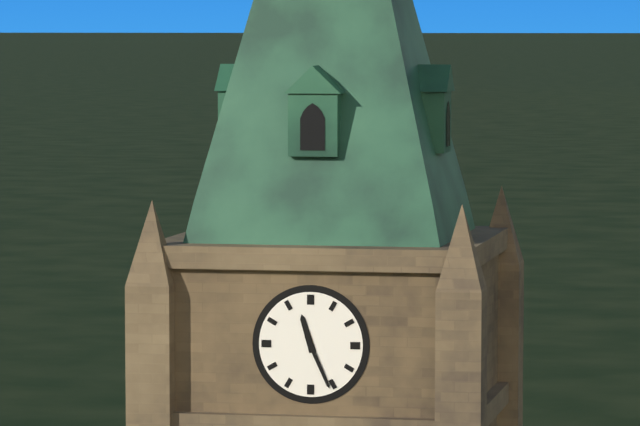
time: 11:26
